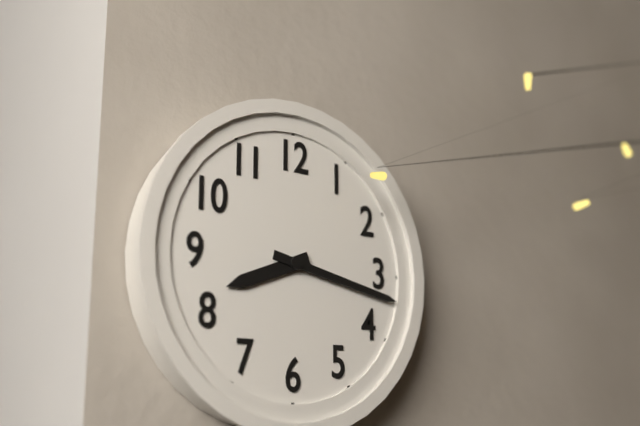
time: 8:17
